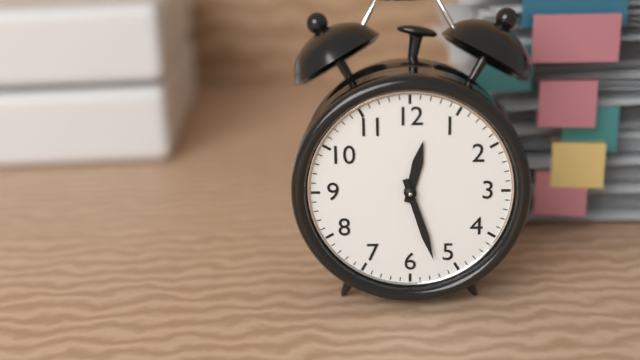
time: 12:27
